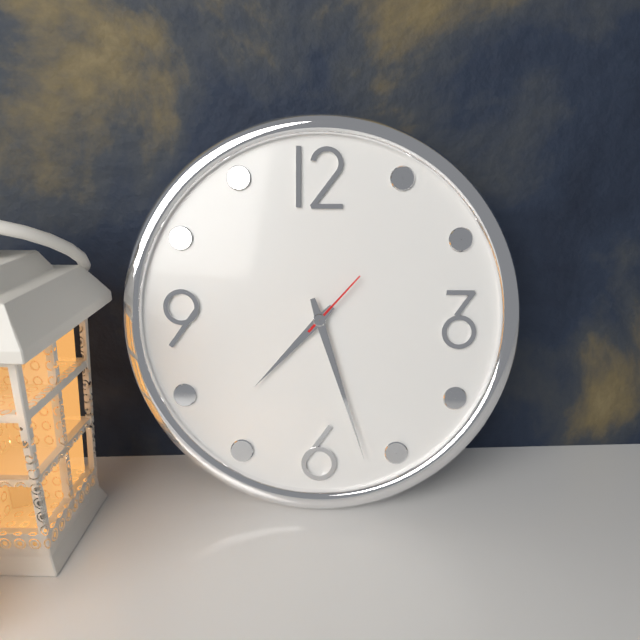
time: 7:27:07
